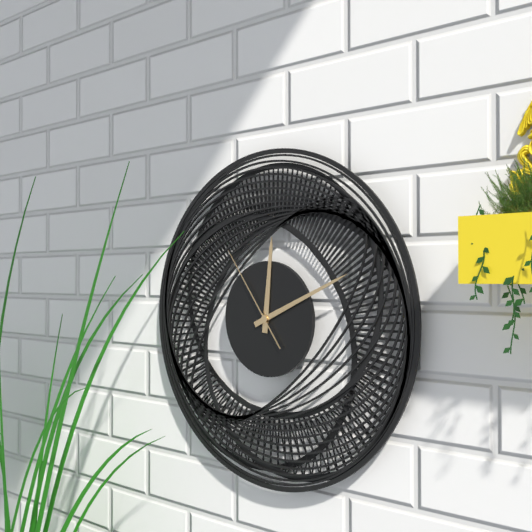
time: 12:11:54
